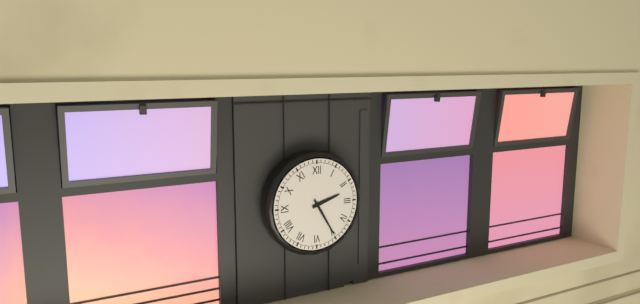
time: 2:25
